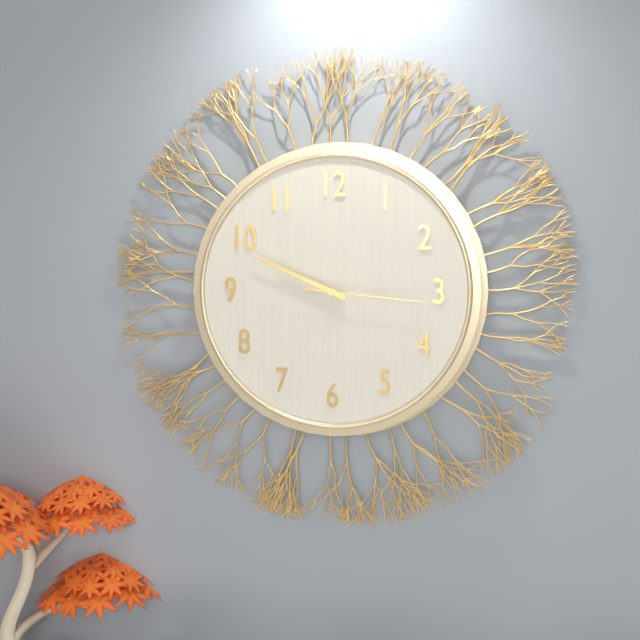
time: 9:49:16
